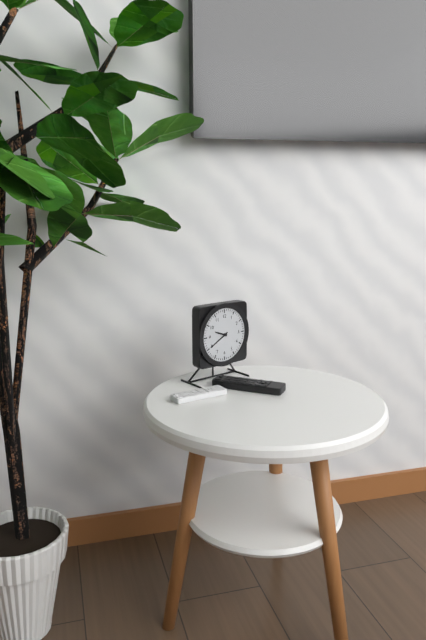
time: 9:40
